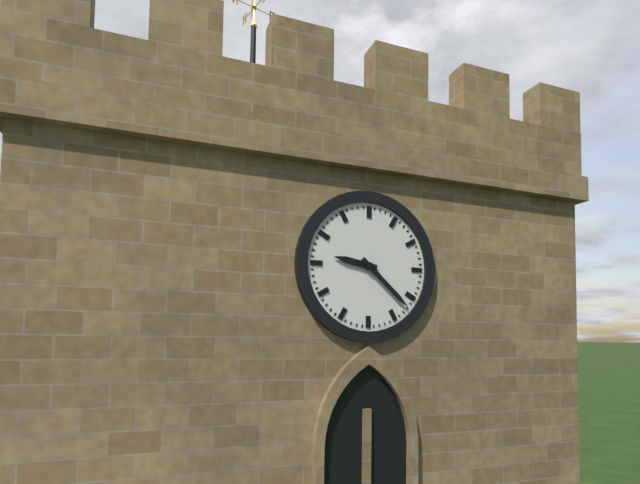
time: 9:22
